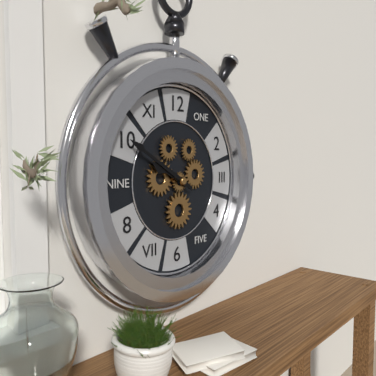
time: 9:50
